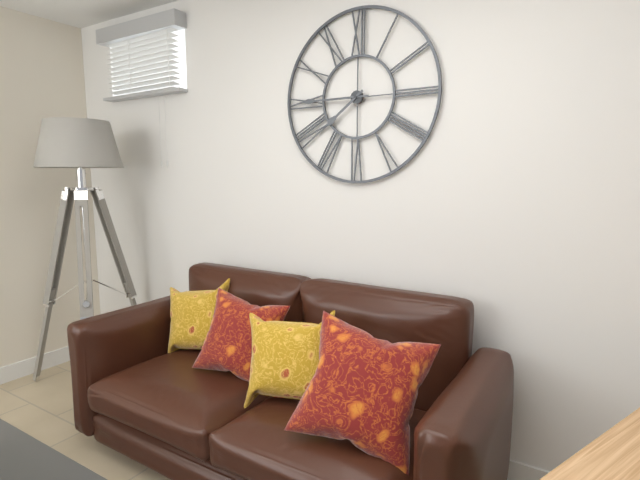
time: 7:45
